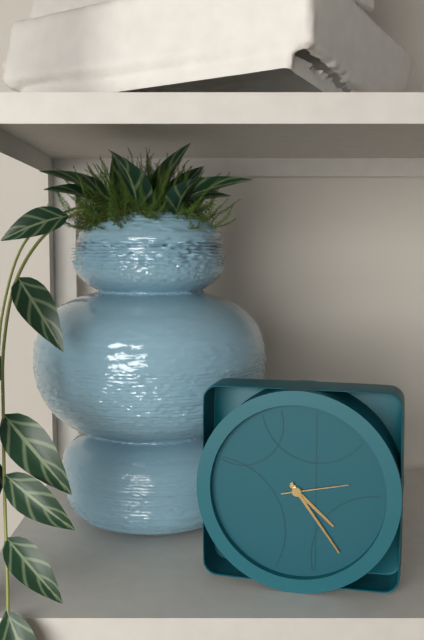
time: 4:24:13
